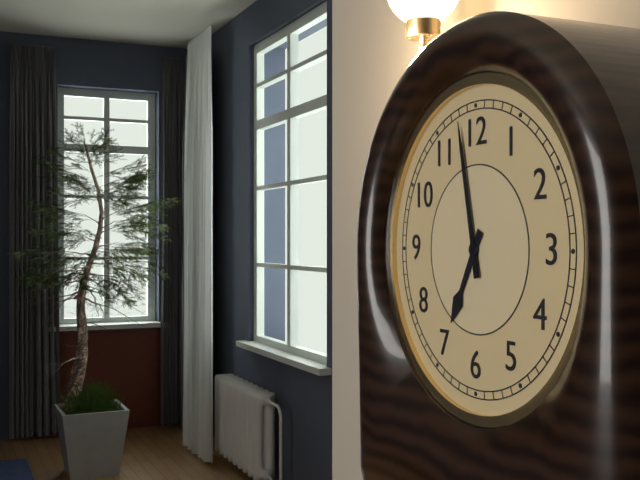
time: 6:58
